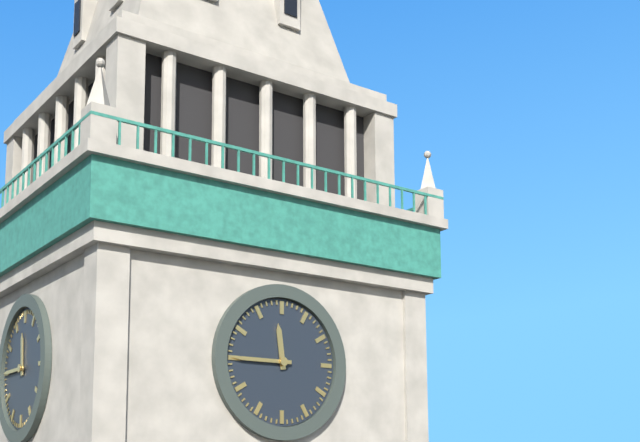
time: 11:45
